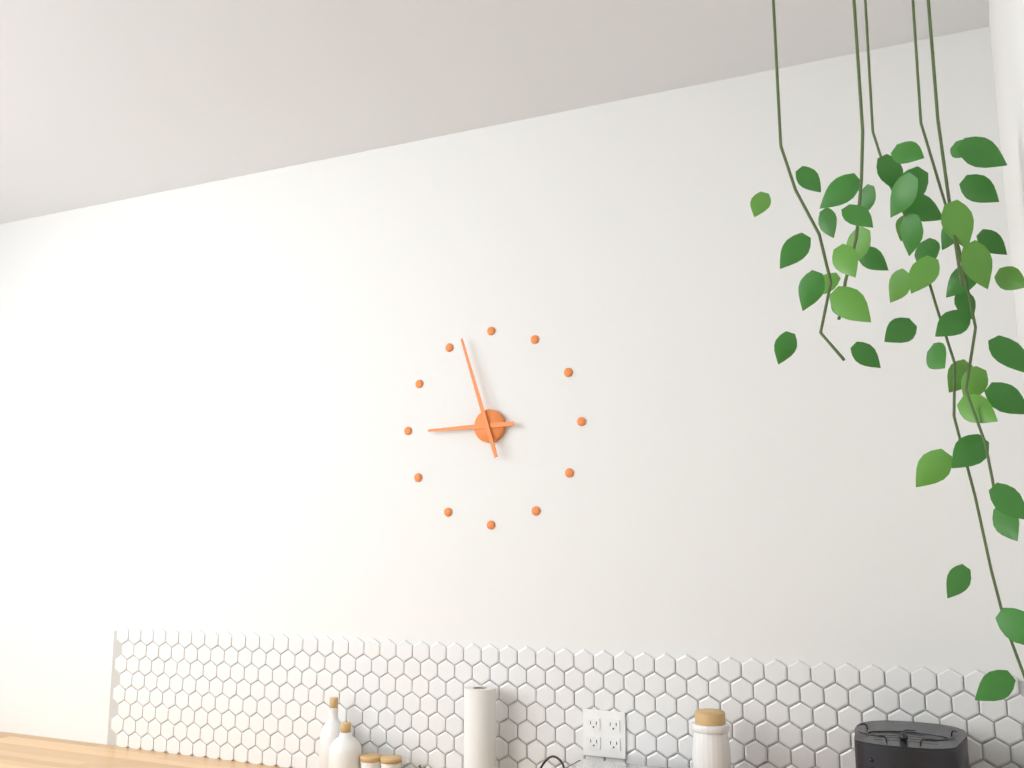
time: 8:57
